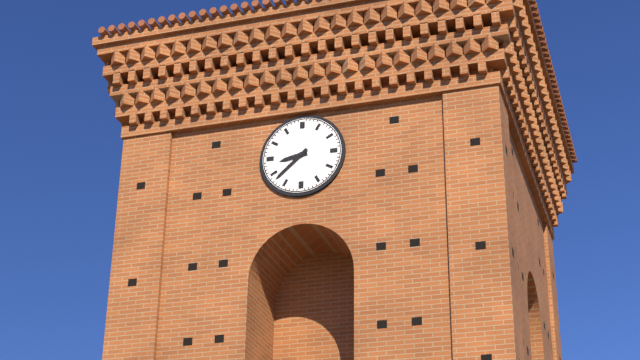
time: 8:38
